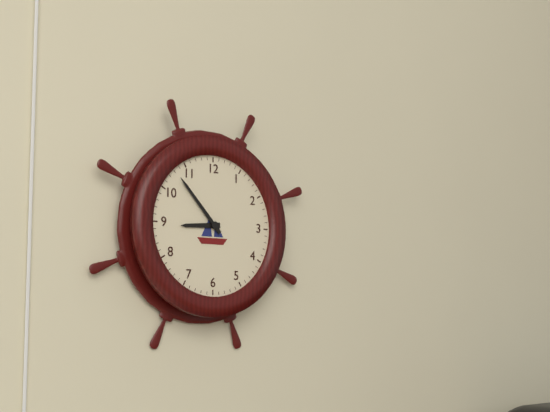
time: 8:53
